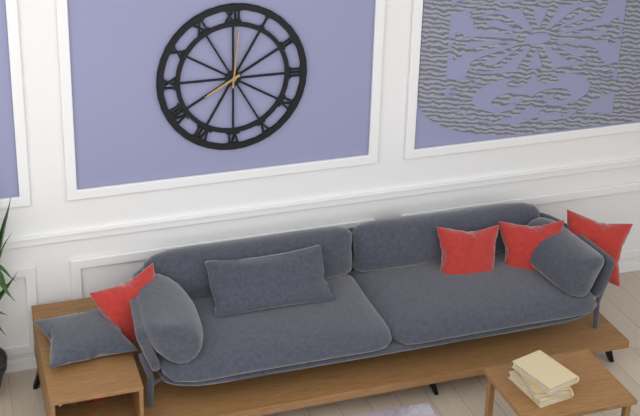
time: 8:01
